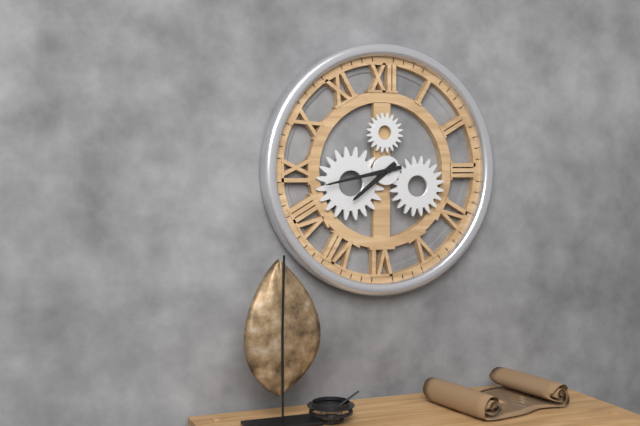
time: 7:43
